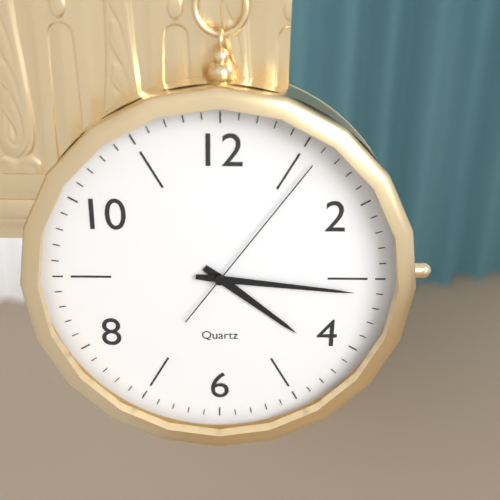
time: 4:16:06
